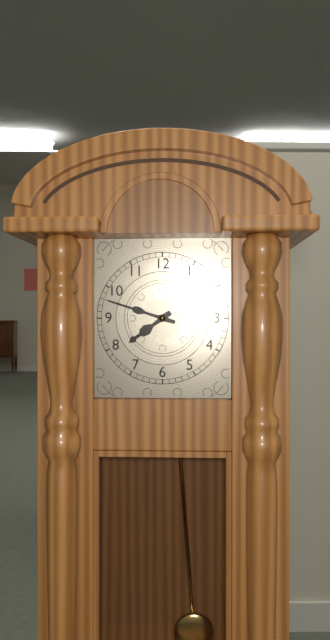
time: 7:48
